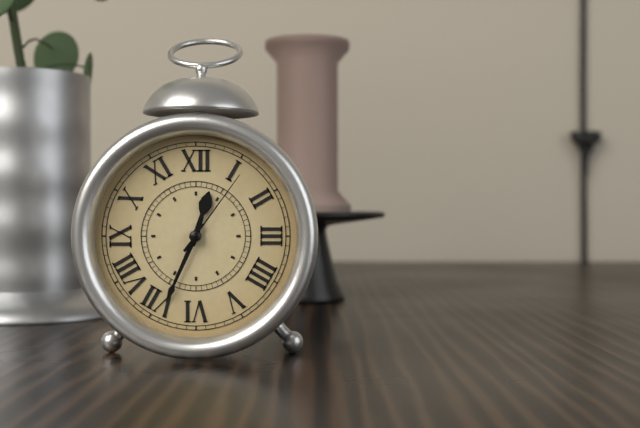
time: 12:34:06
